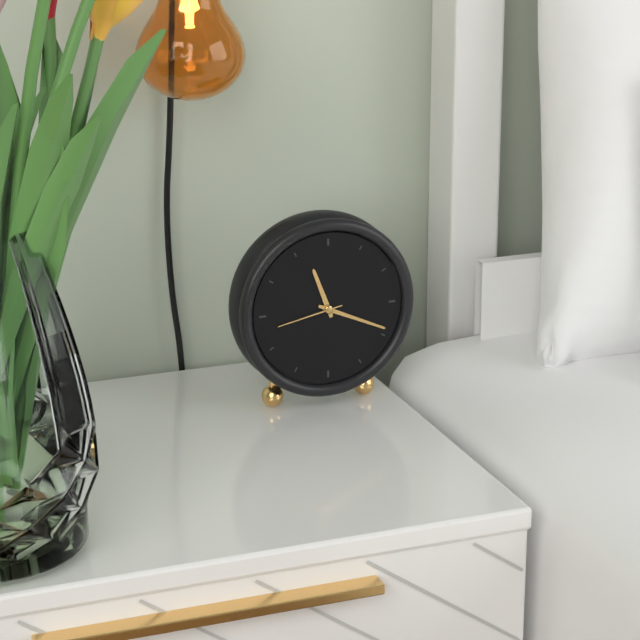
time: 11:19:43
